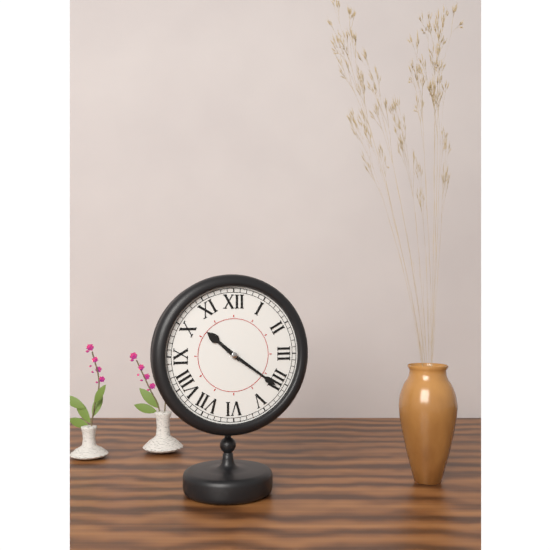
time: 10:21
